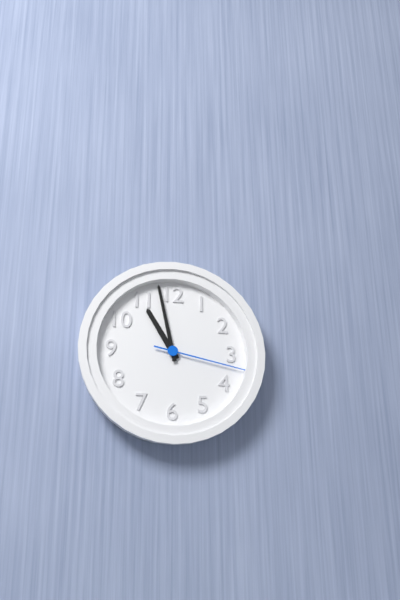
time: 10:58:17
